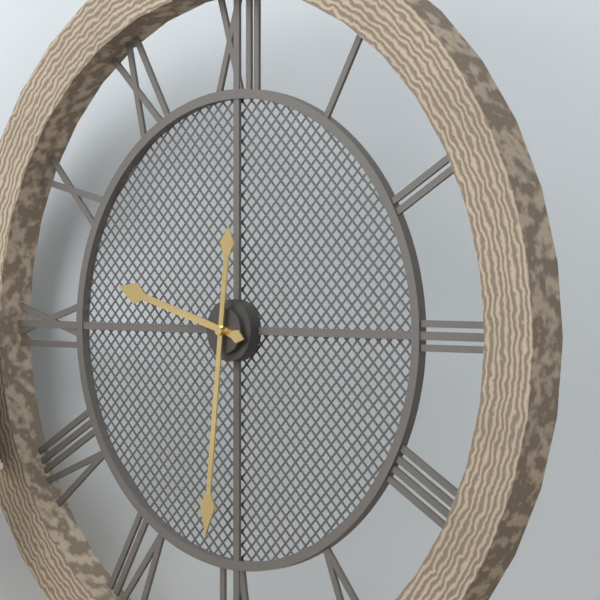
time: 9:31
